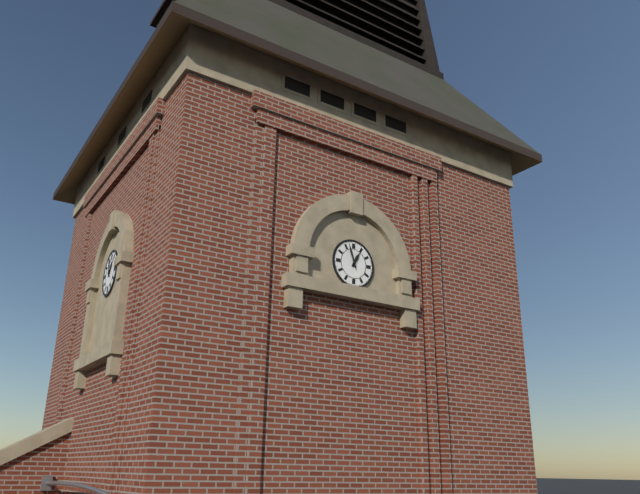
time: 12:57
